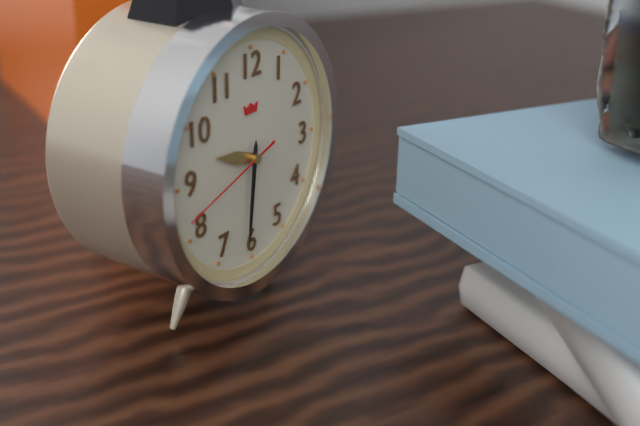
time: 9:31:42
